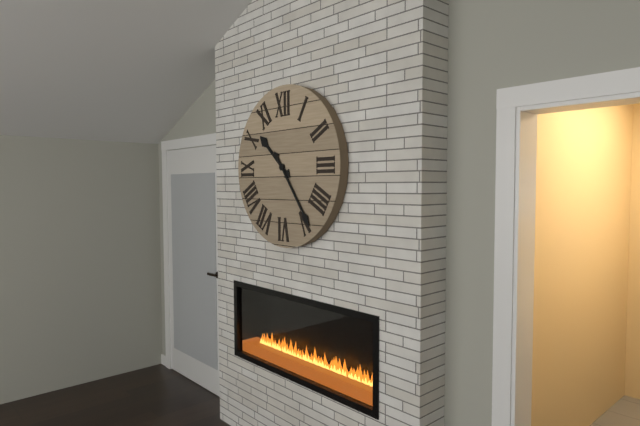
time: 10:24
